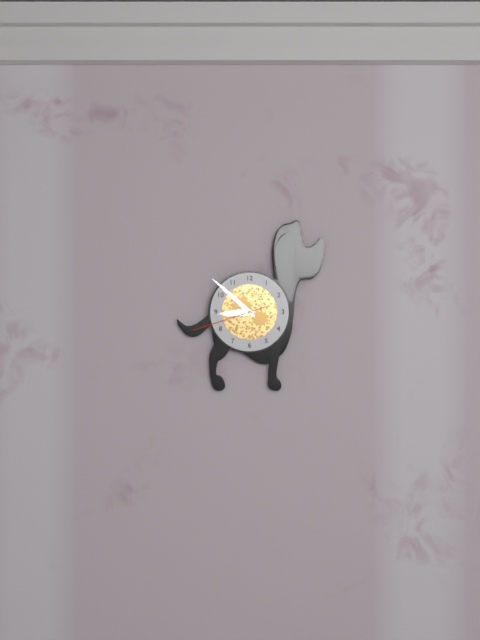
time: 8:52:42
